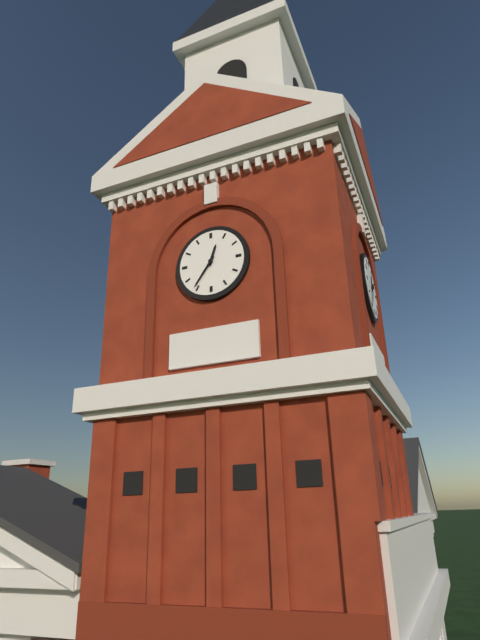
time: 12:36
